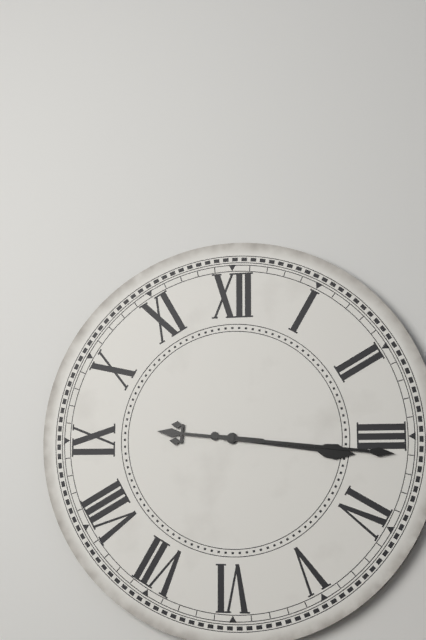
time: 3:16
